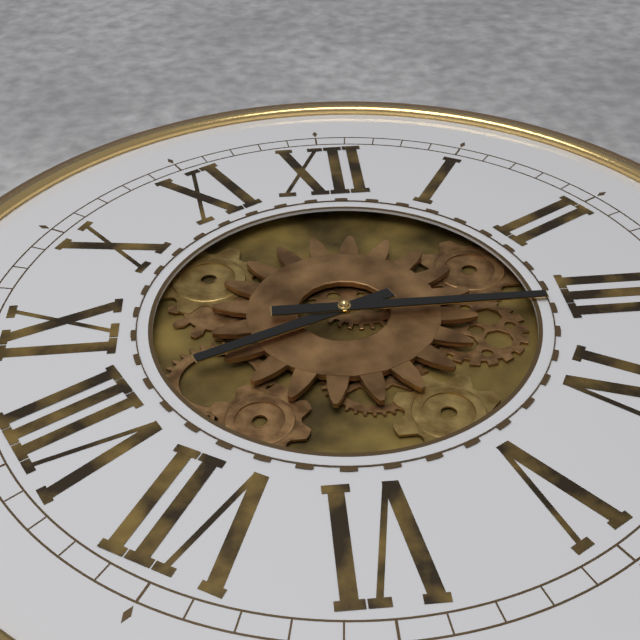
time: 8:15
